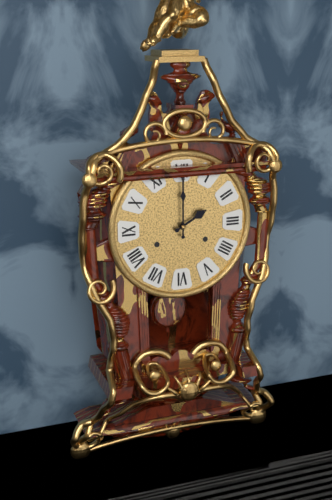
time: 2:00
